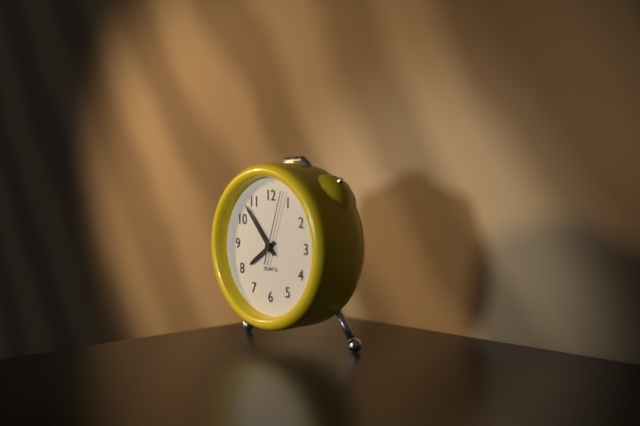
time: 7:53:03
